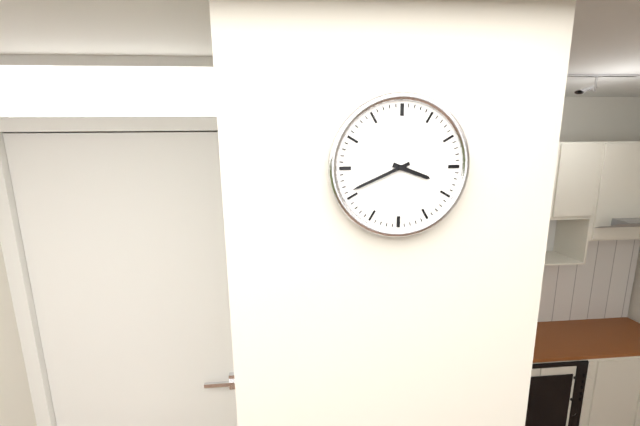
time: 3:41
